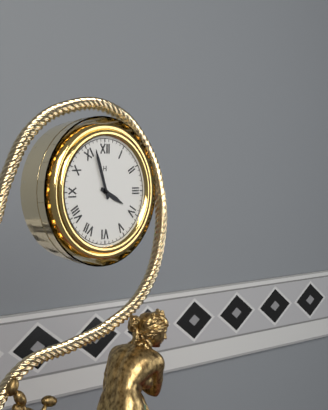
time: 3:57
